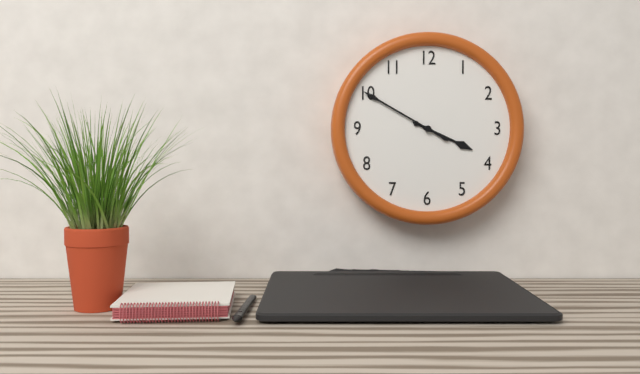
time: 3:50
